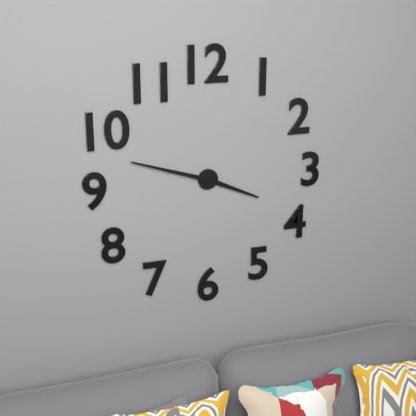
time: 3:48
